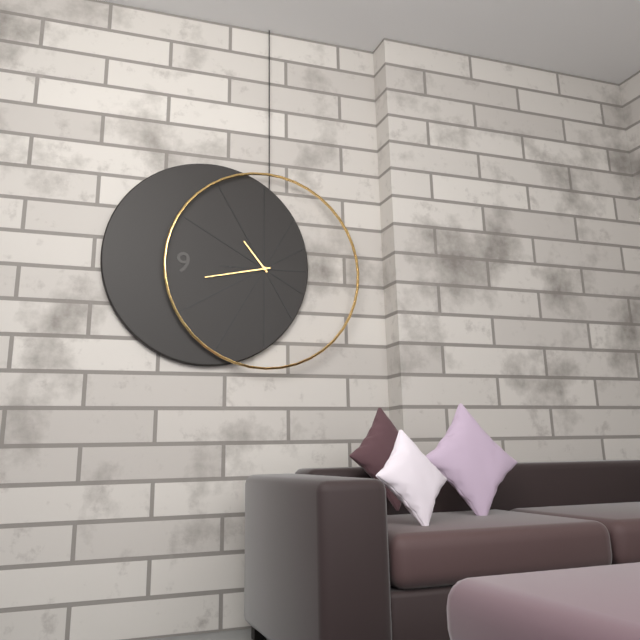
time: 10:43
